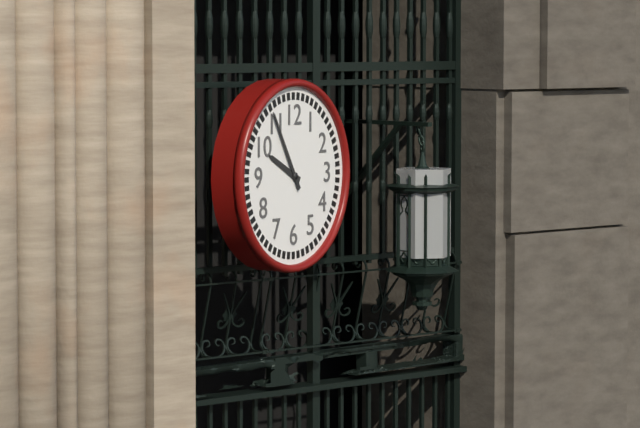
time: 9:55
